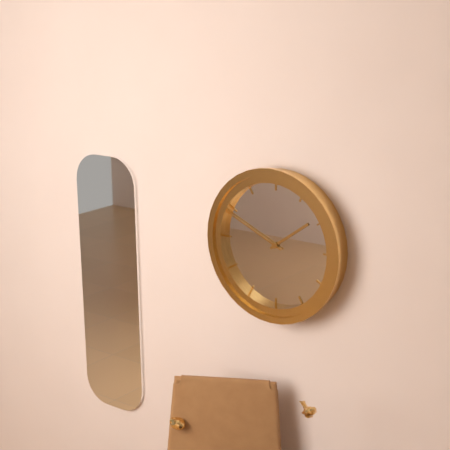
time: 1:49
